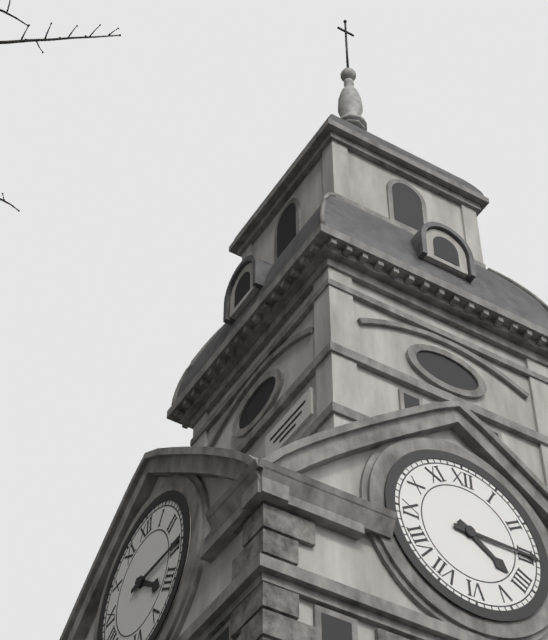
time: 4:15
